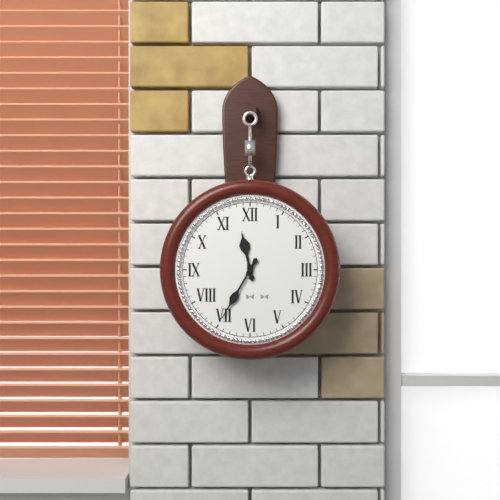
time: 11:35
